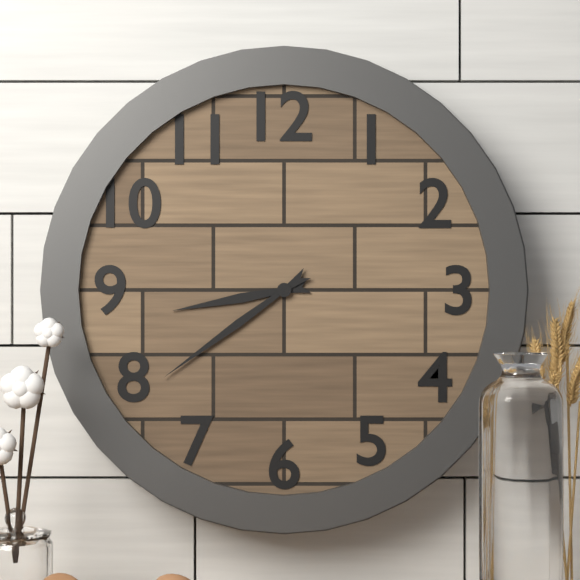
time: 8:39
